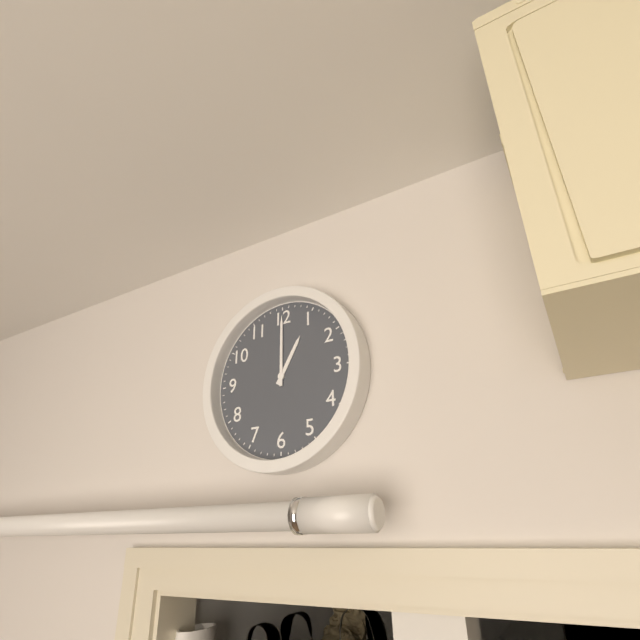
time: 1:00
